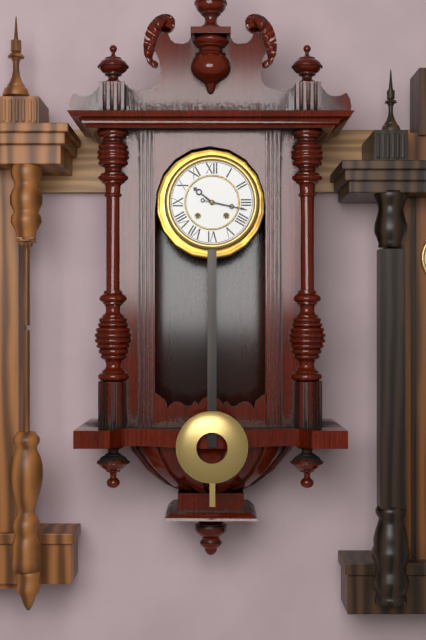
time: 10:17
